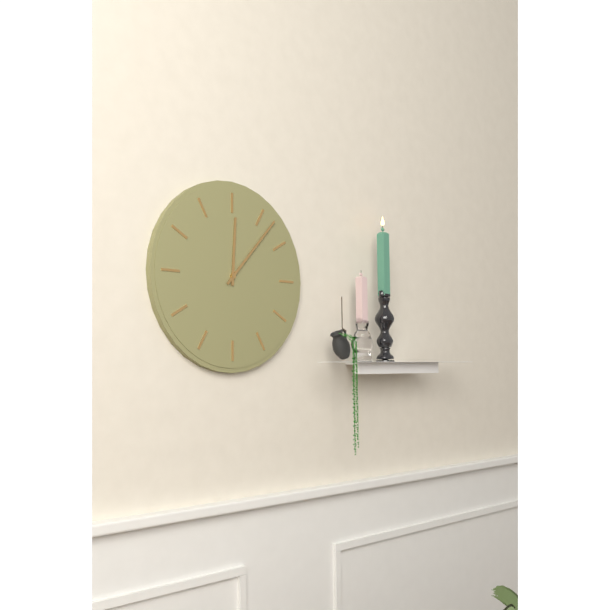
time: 12:07
